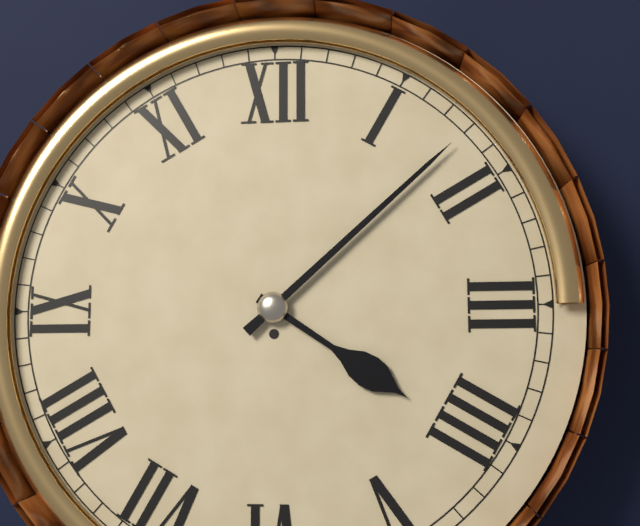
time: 4:08
